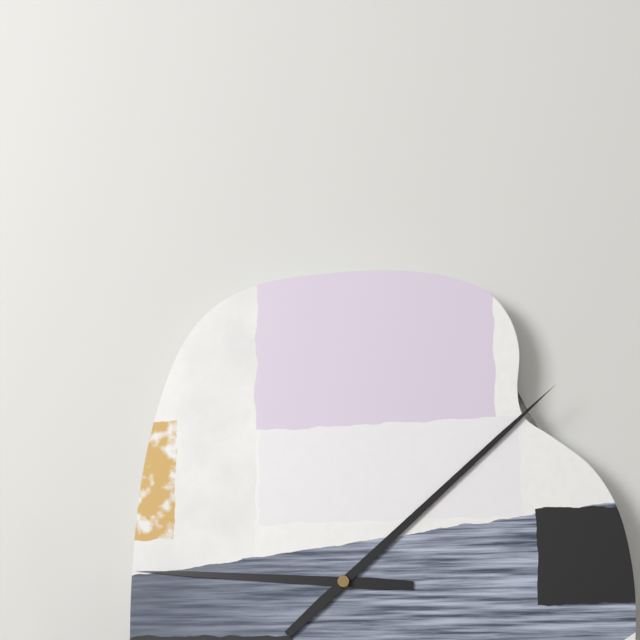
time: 9:08
